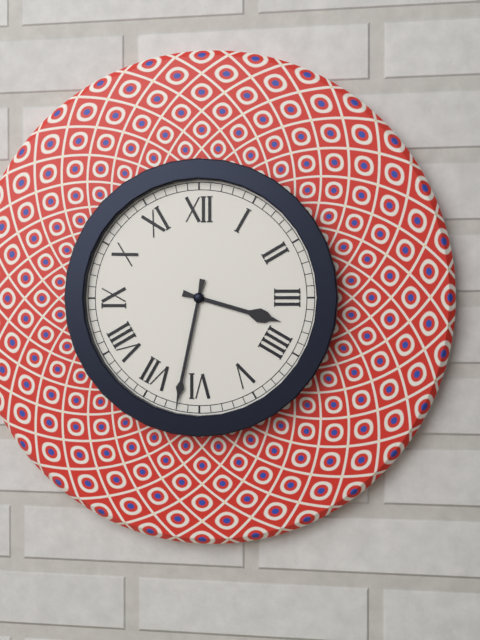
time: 3:32
